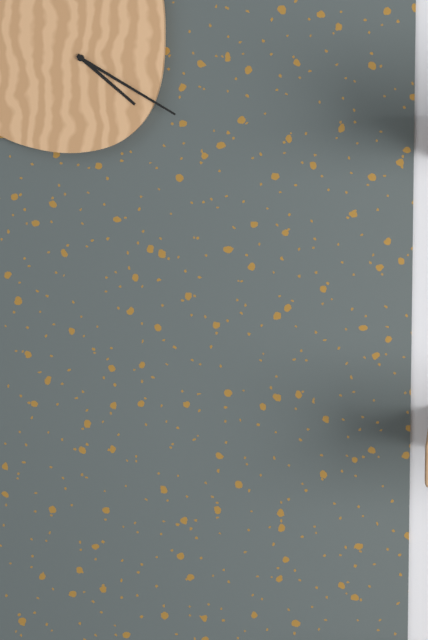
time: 4:20
